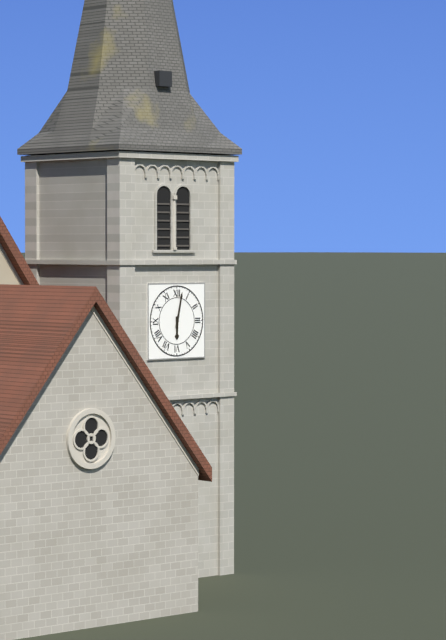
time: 6:02
